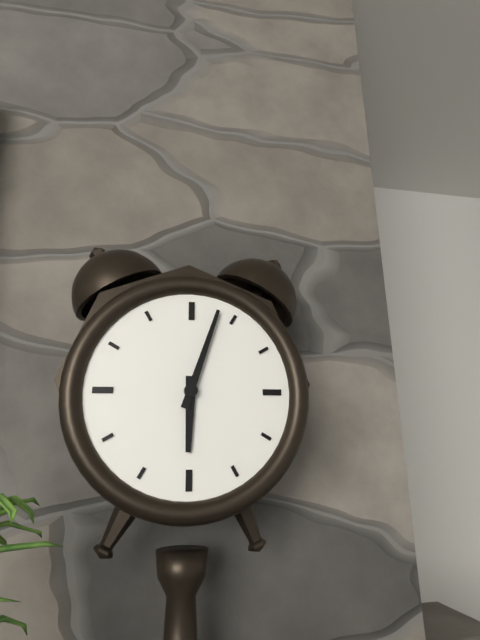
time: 6:03
